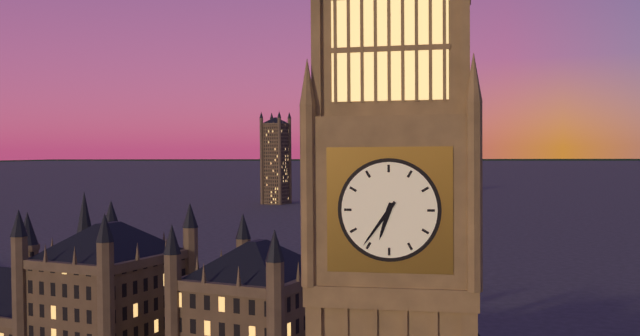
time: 6:36
